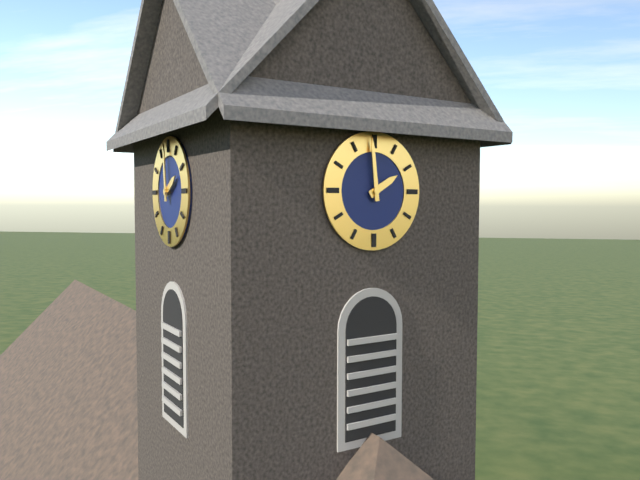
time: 1:59
